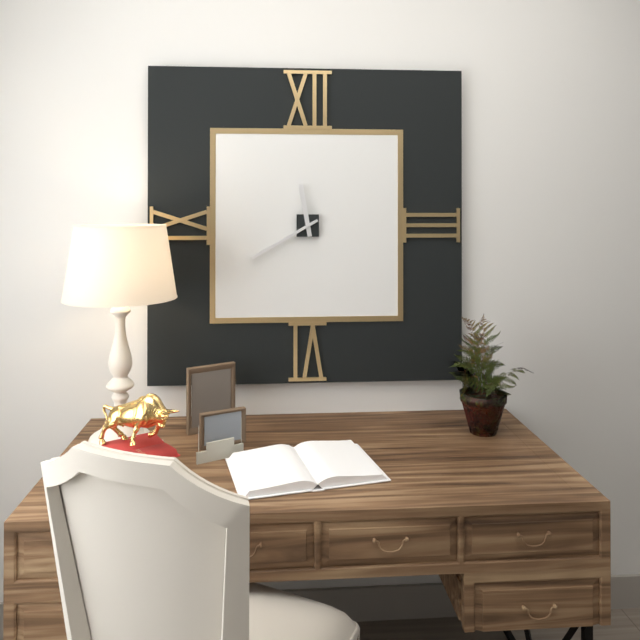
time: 11:40
